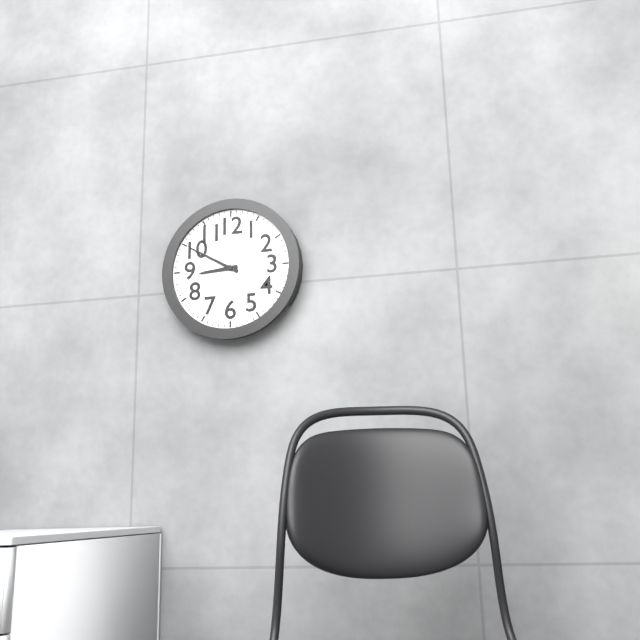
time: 8:50
